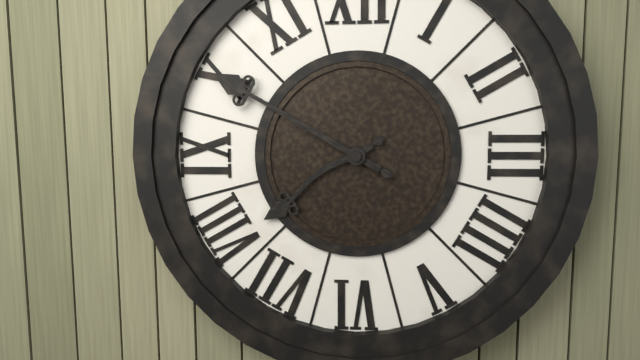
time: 7:50
